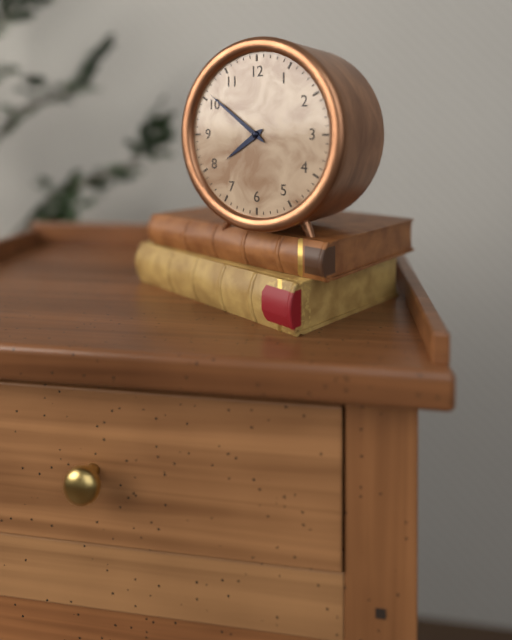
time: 7:51
